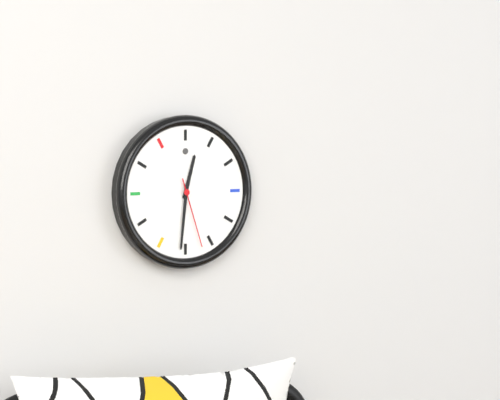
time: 12:31:27
